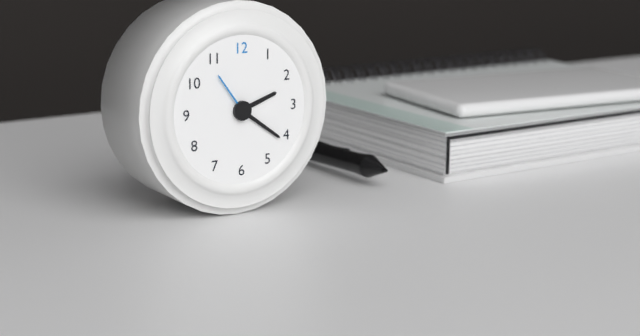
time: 2:21:54
